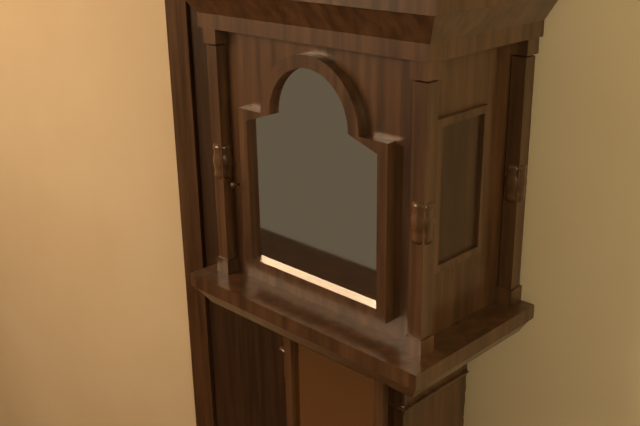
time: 1:23
